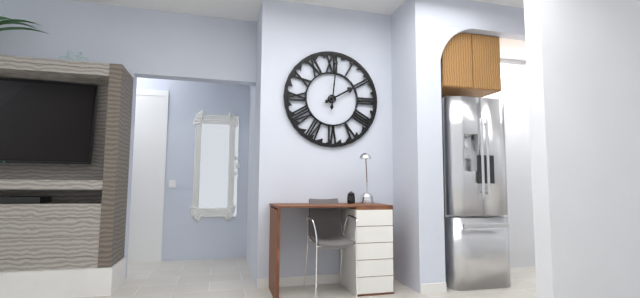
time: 2:01
